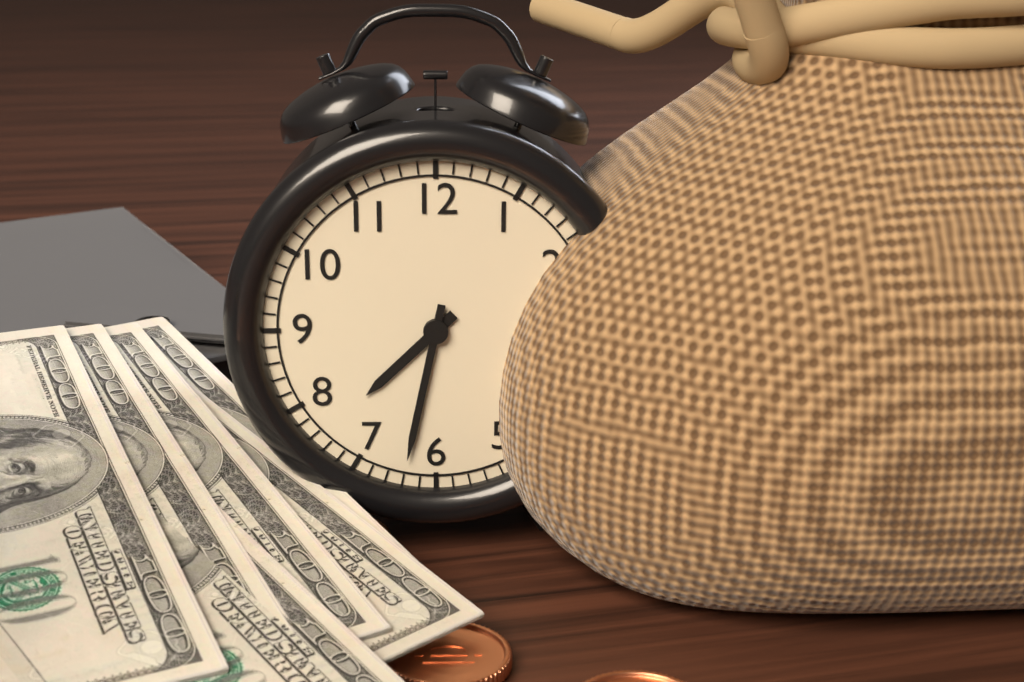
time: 7:32
